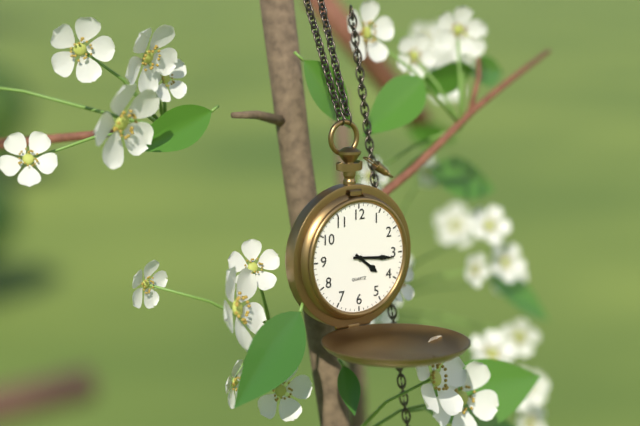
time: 4:16
